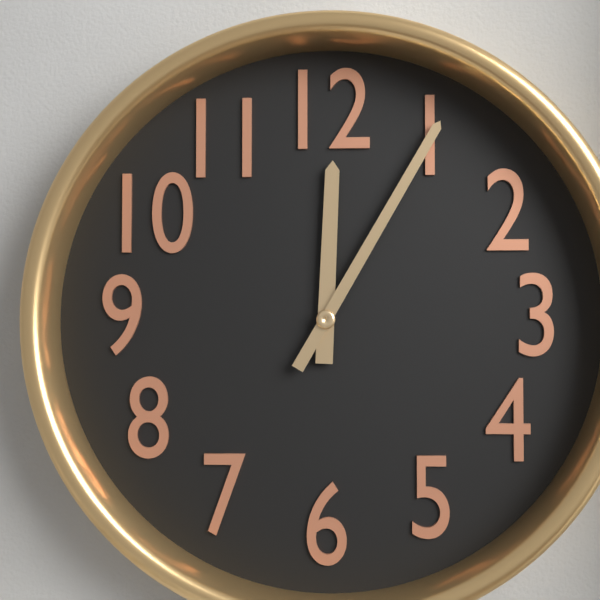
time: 12:05
